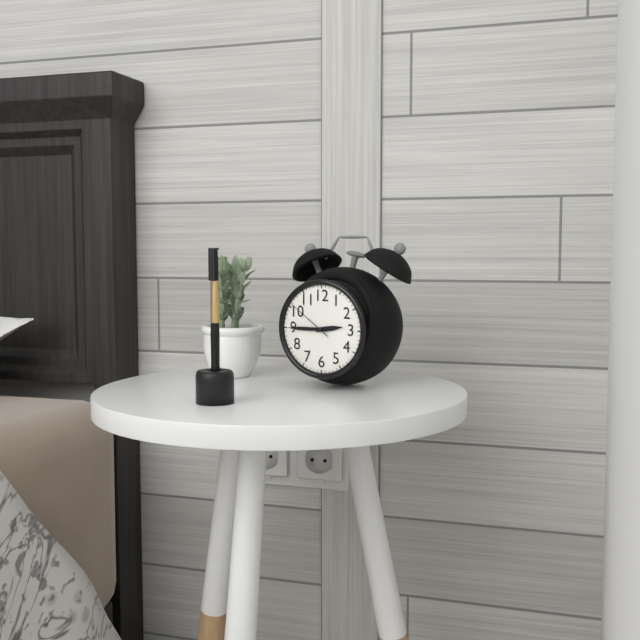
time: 2:45
